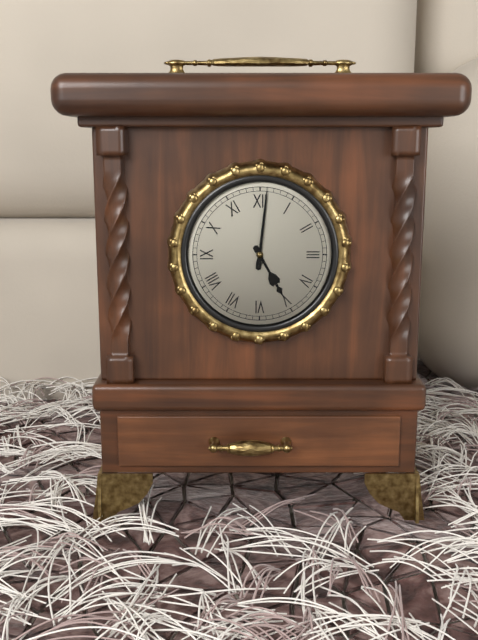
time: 5:01
